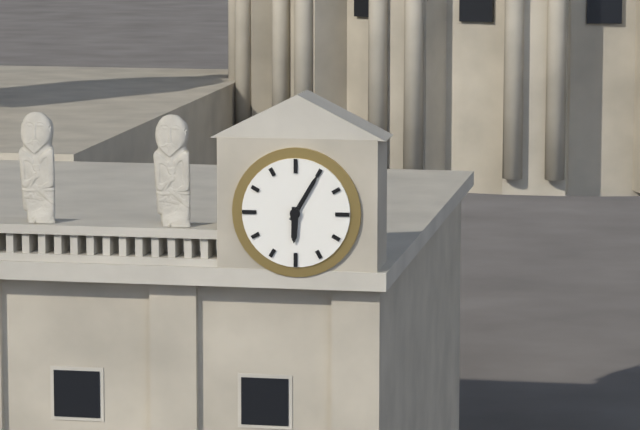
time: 6:05
